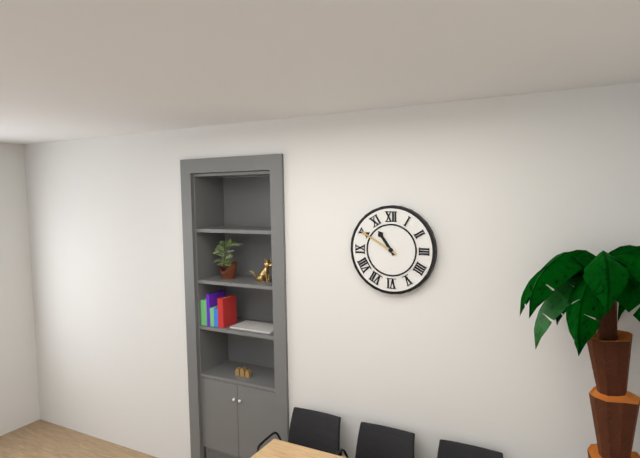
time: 10:50
